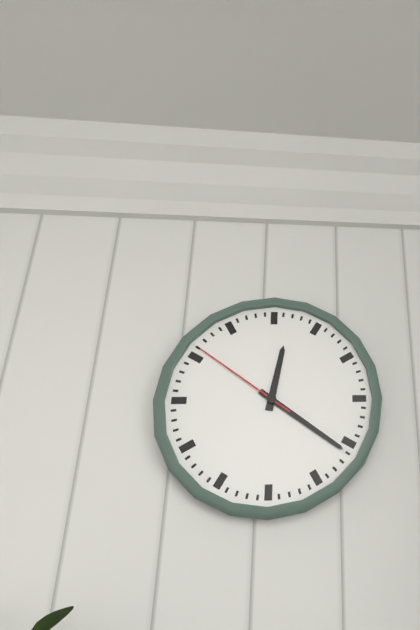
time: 12:21:51
